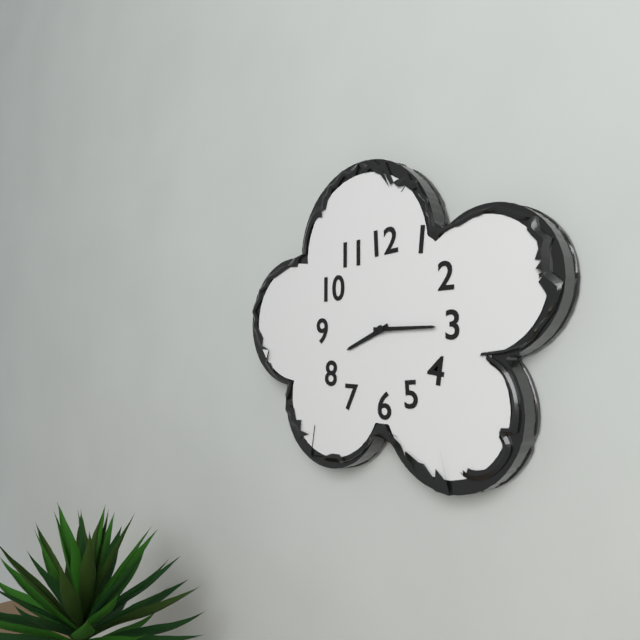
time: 8:15
